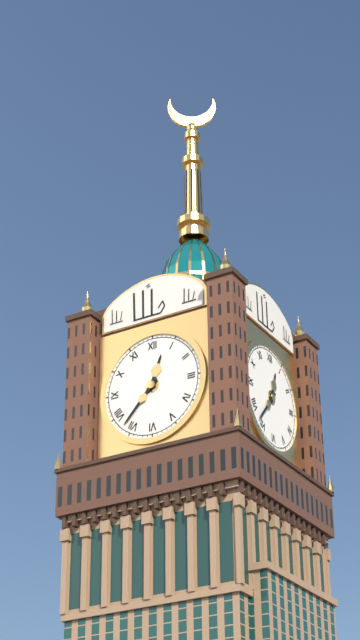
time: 12:37
